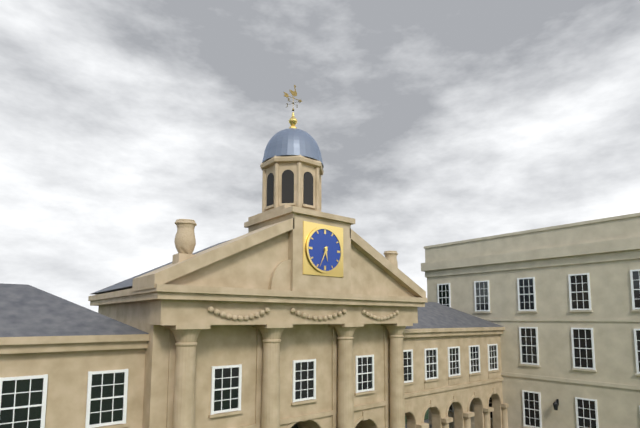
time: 5:34
